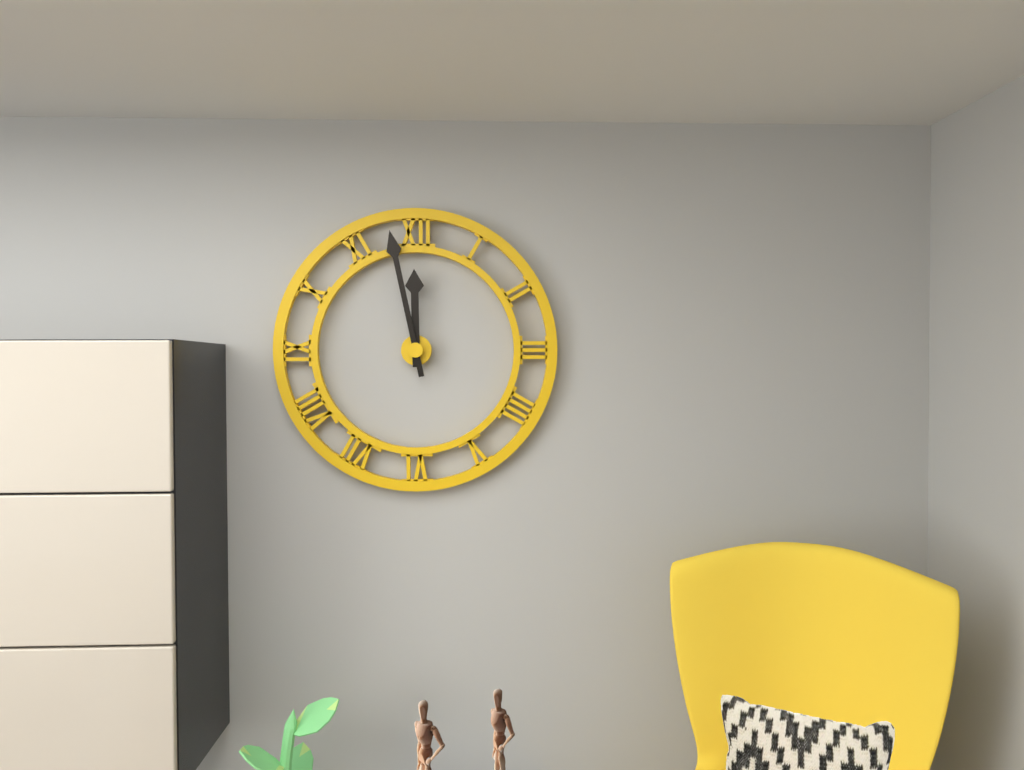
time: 11:58
